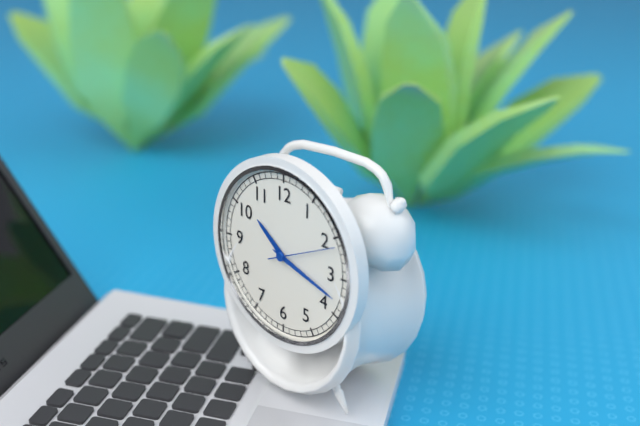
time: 10:18:11
